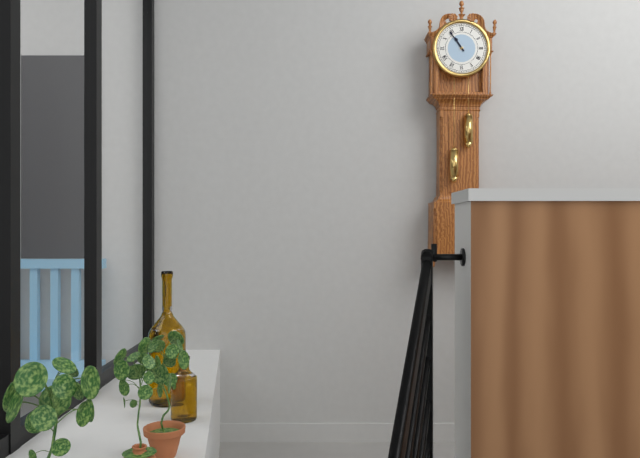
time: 10:54
